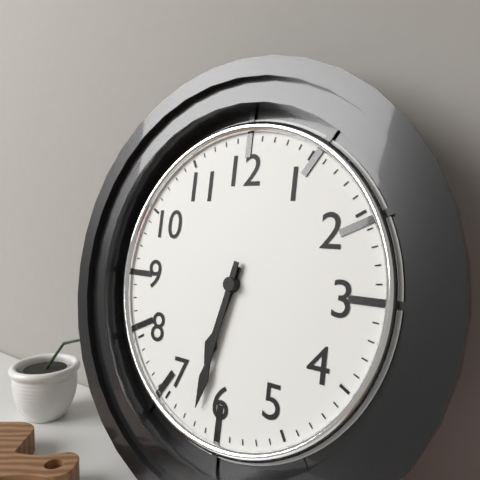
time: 6:32
